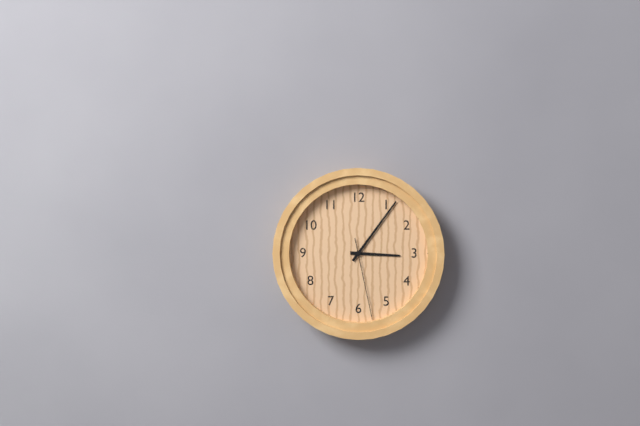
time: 3:06:28
